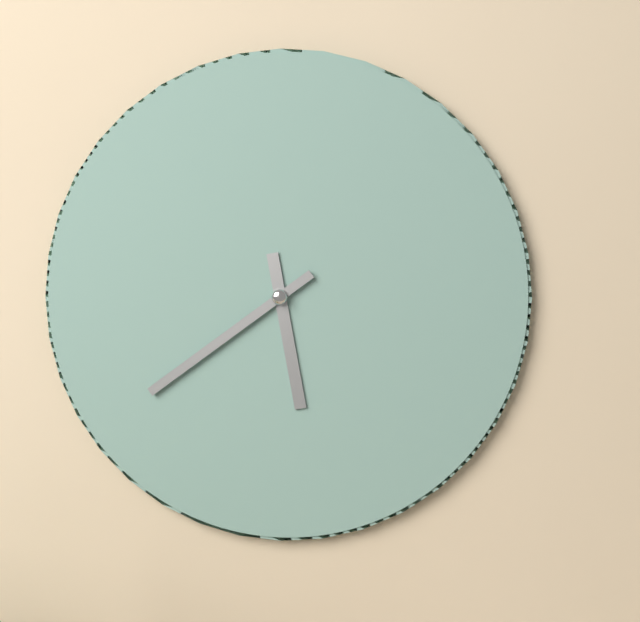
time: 5:39
